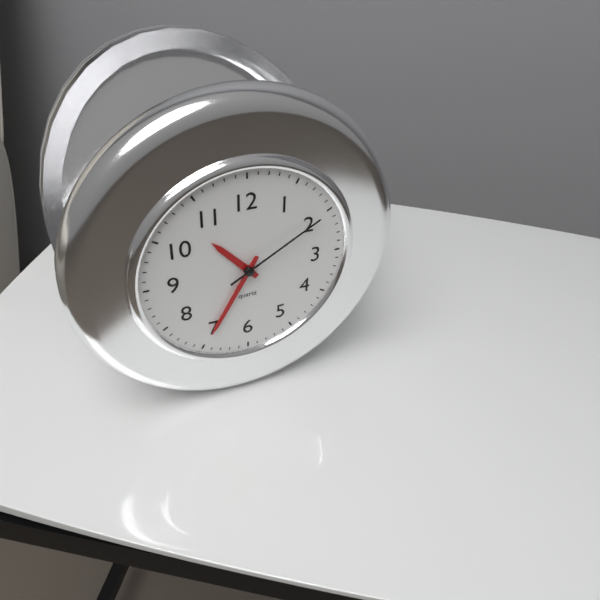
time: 10:35:10
